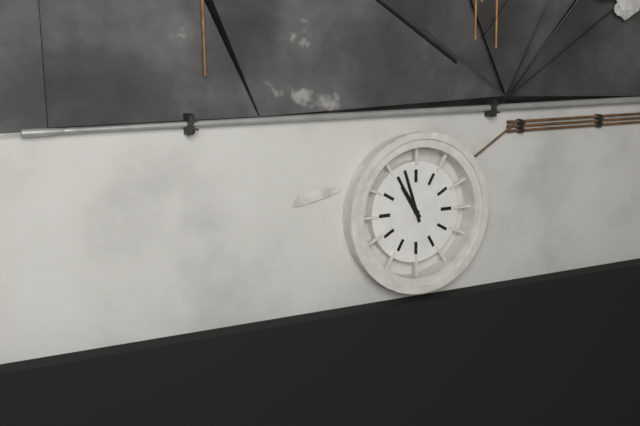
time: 10:57
